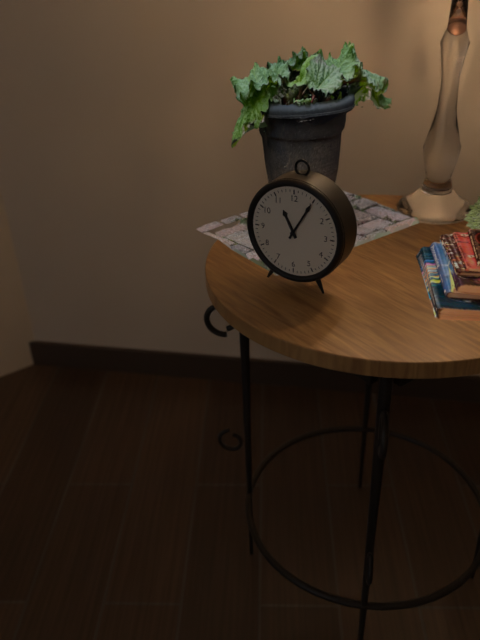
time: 11:05
